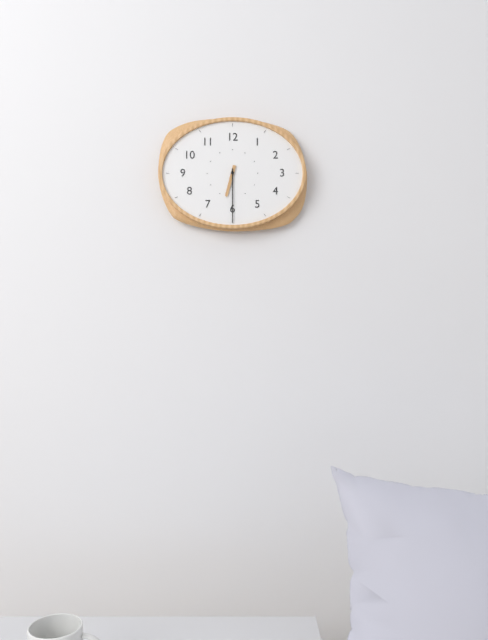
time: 6:30
